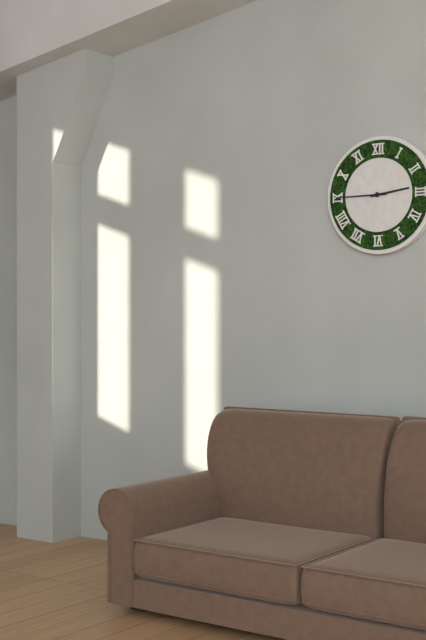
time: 2:45
